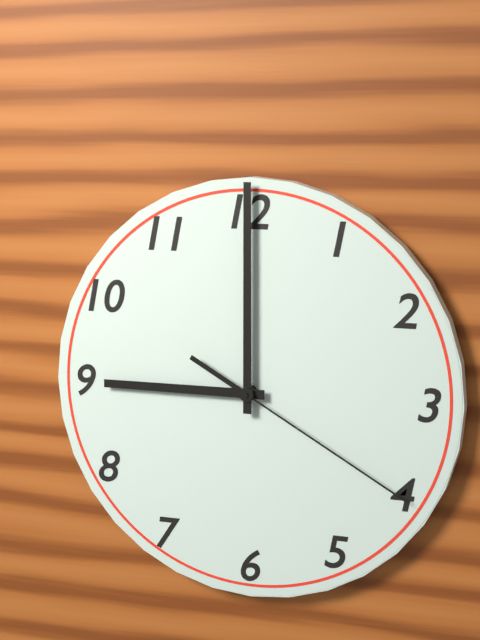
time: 9:00:20
